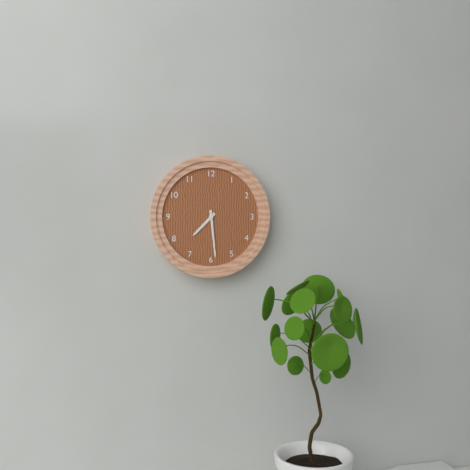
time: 7:29
